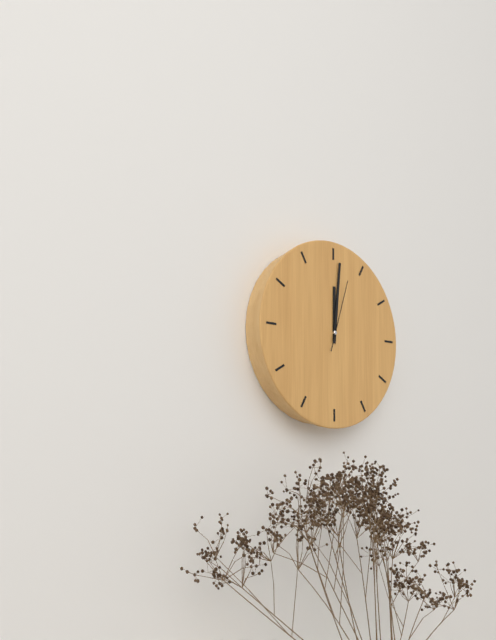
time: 12:01:03
